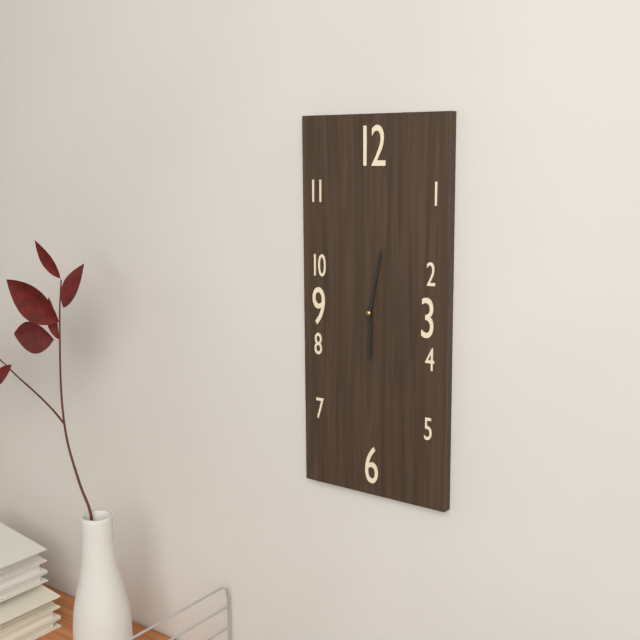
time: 6:02
